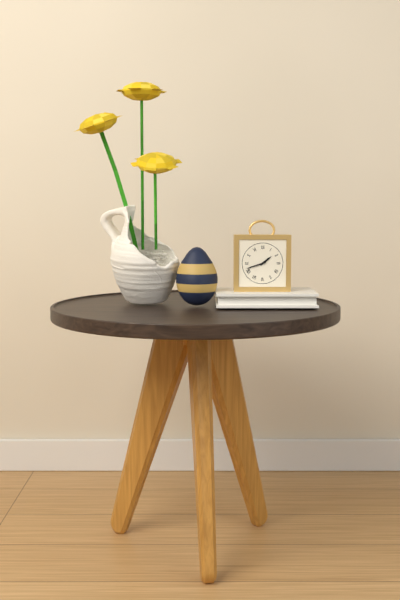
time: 1:42
